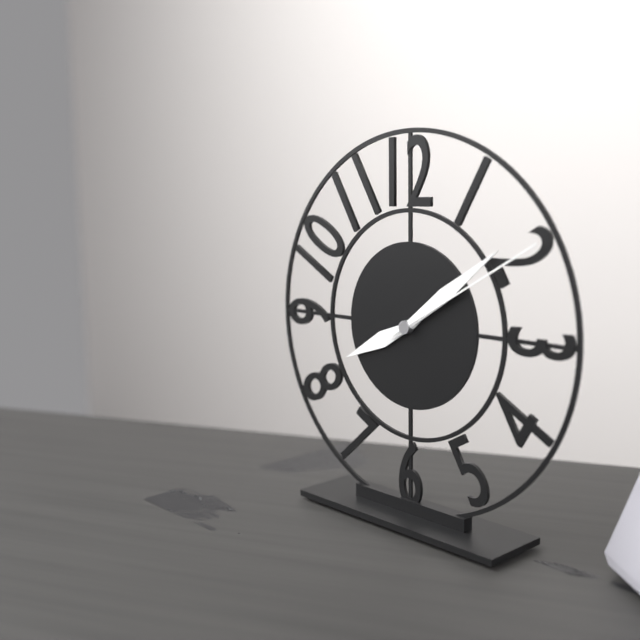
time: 8:09:10
